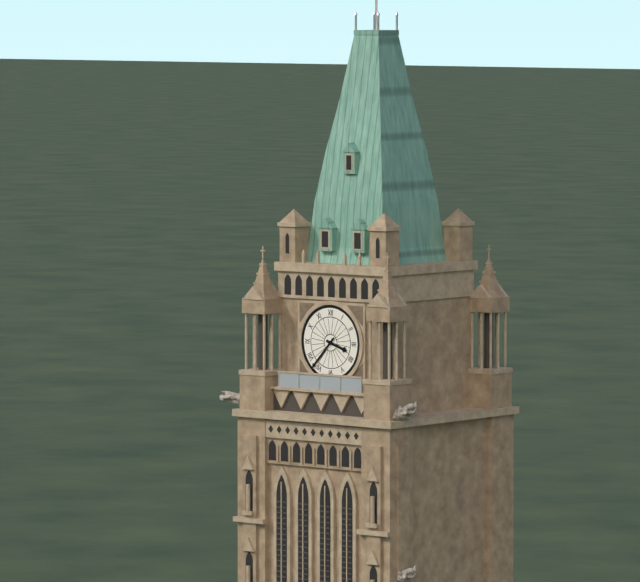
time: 3:37
